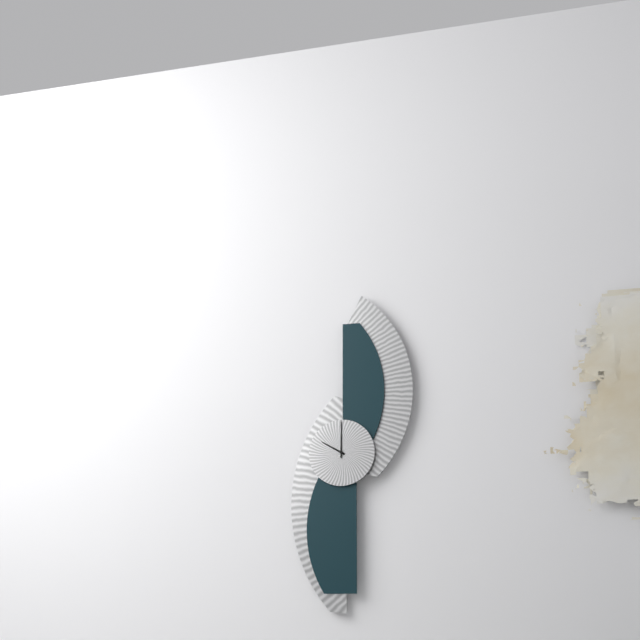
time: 10:00
